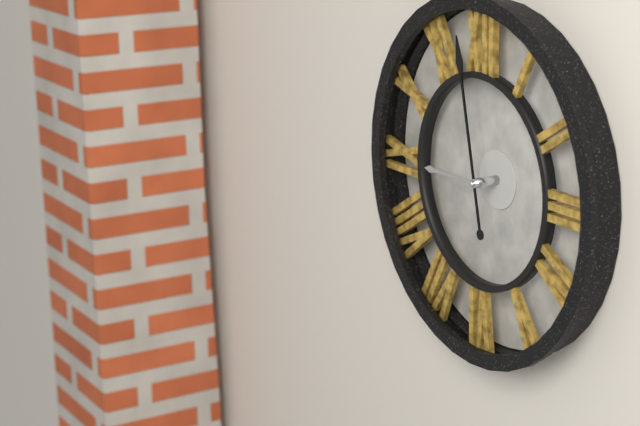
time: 8:58
